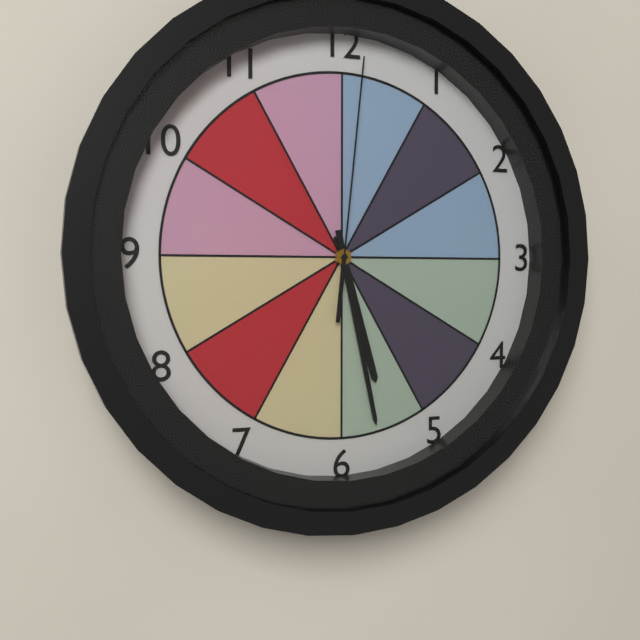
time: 5:28:01
